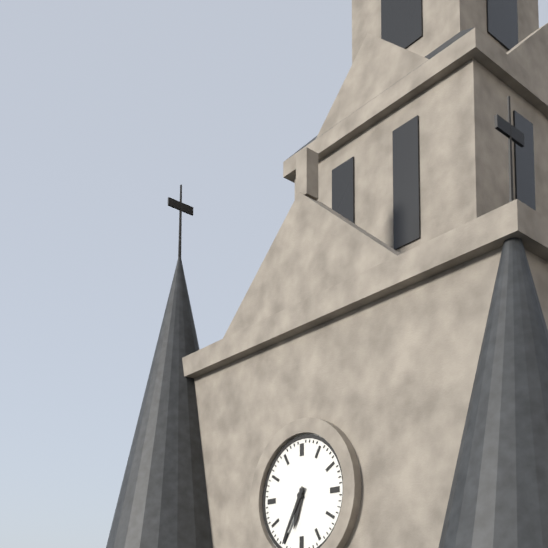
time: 6:35
